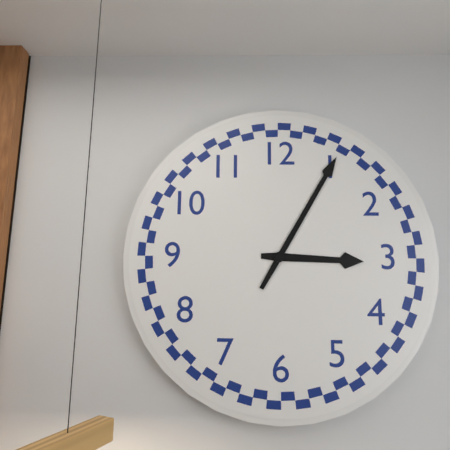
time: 3:05
